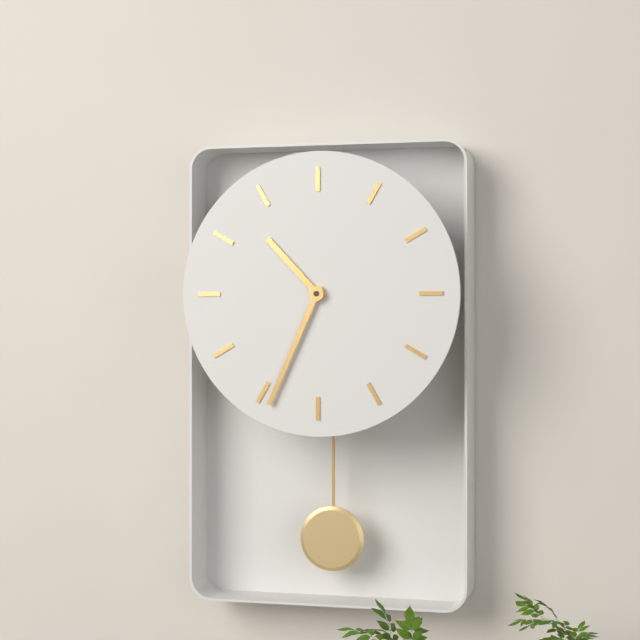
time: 10:34
